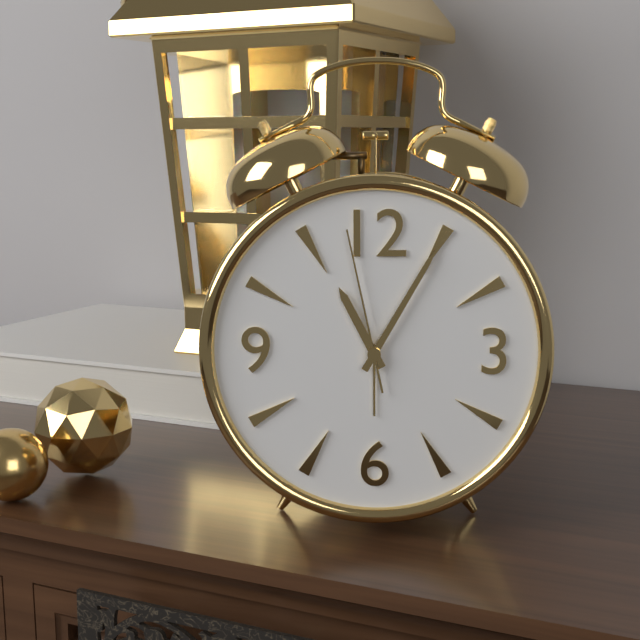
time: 11:05:58
